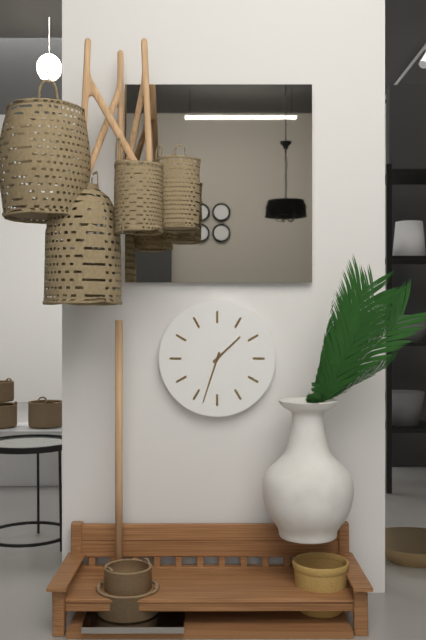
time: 1:33
